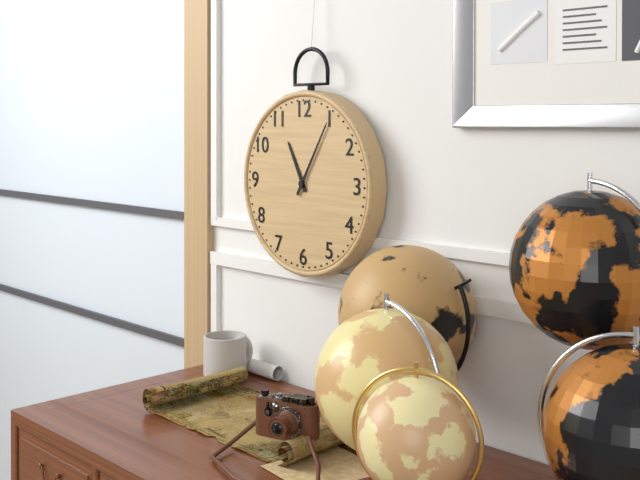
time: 11:05
